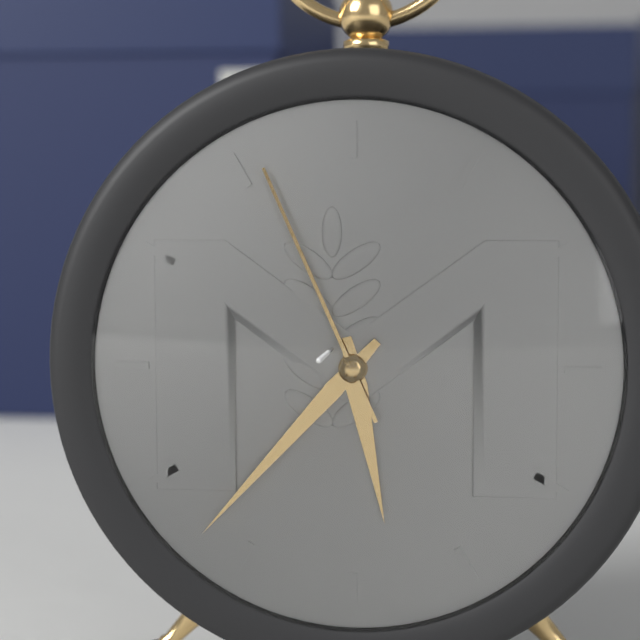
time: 5:37:56
